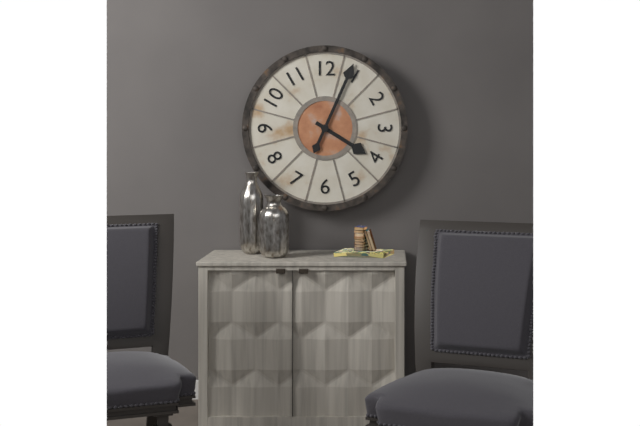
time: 4:04
